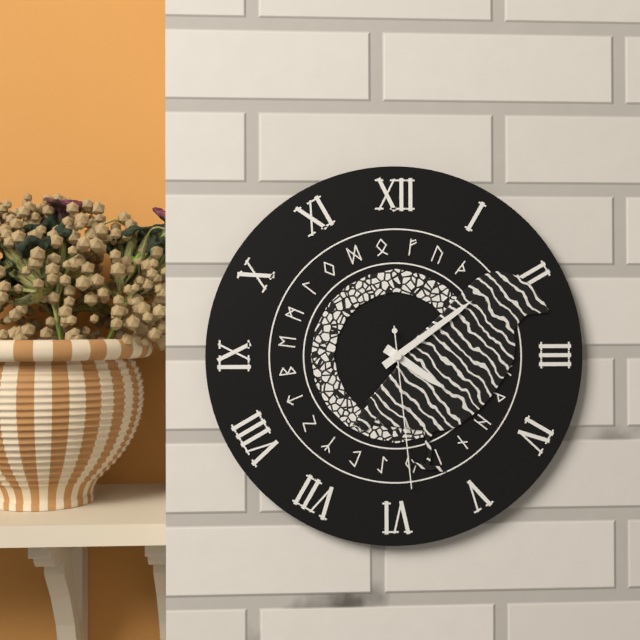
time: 4:09:29
